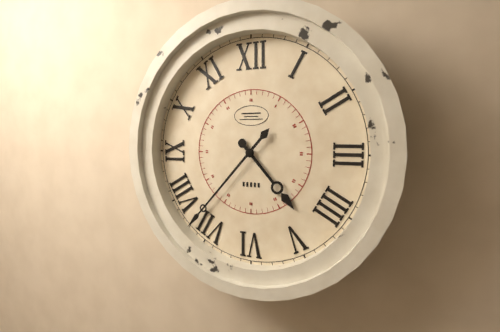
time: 4:37
